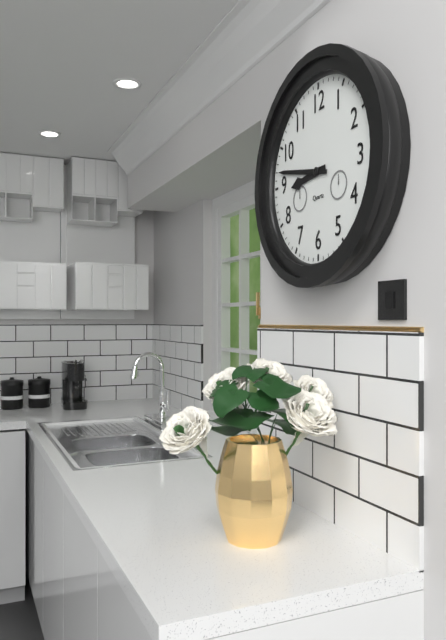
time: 8:47
